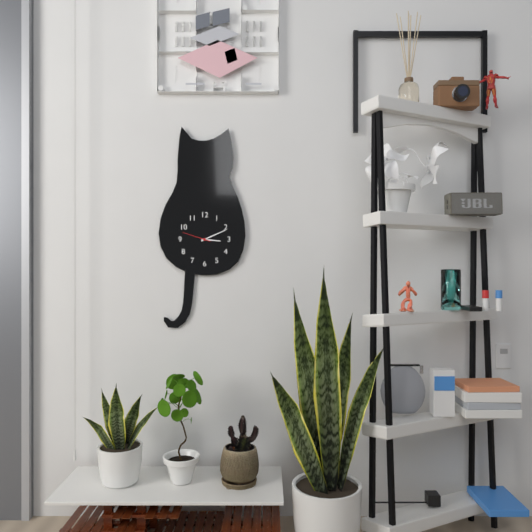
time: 3:11
